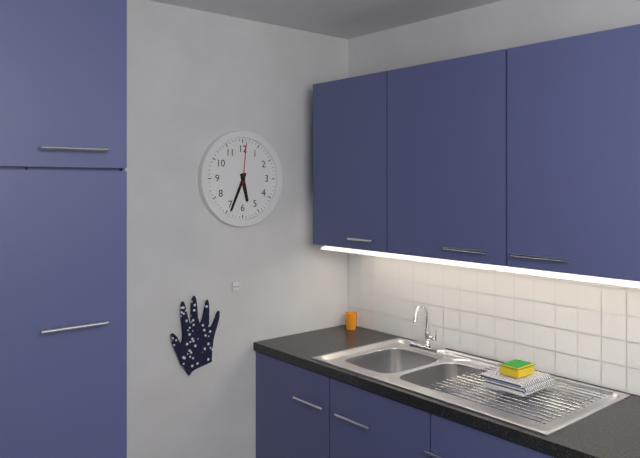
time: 5:34
